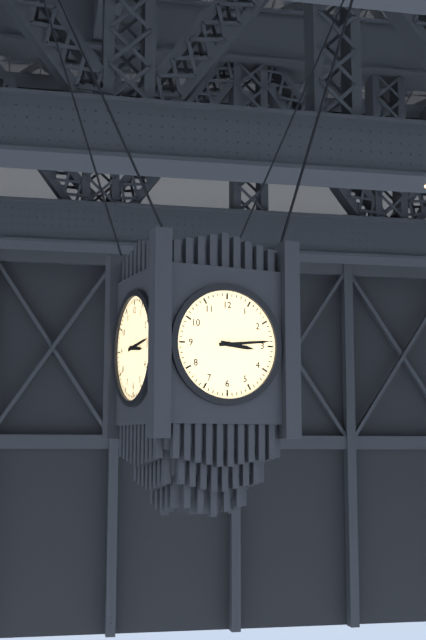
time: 3:14
